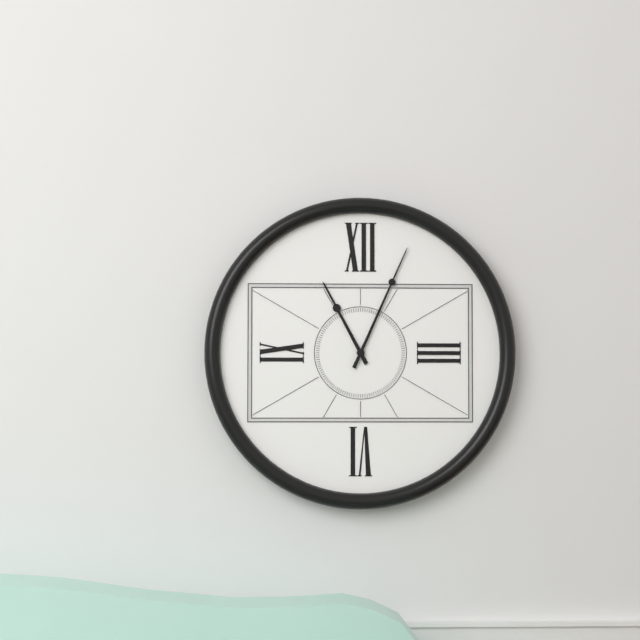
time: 11:04
